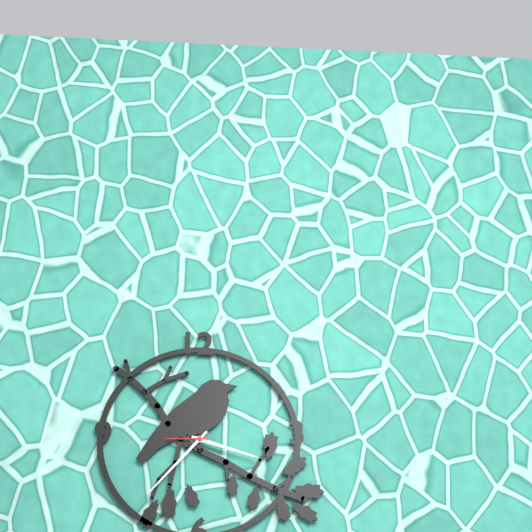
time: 3:37
